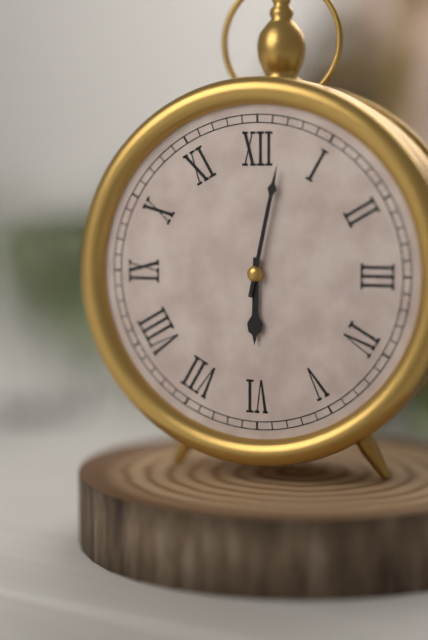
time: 6:02
